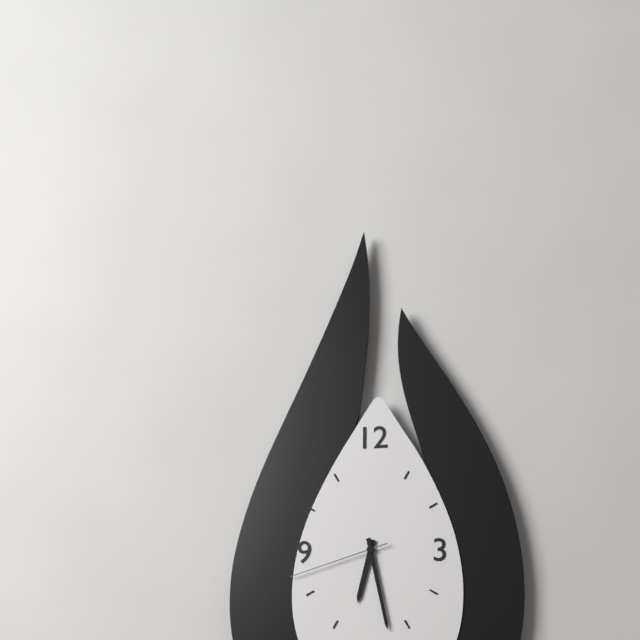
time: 6:28:42
